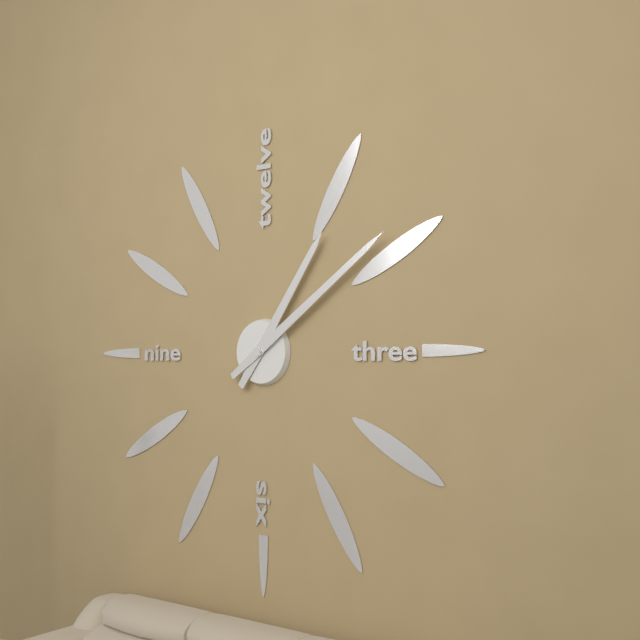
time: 1:09
